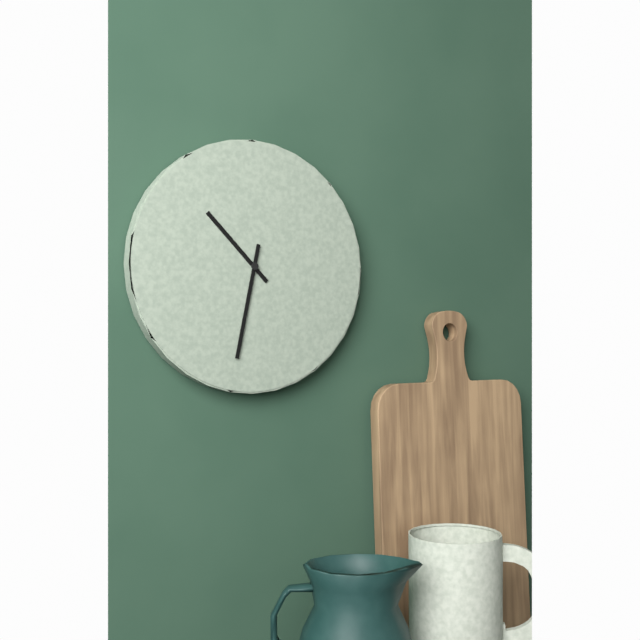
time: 10:32
